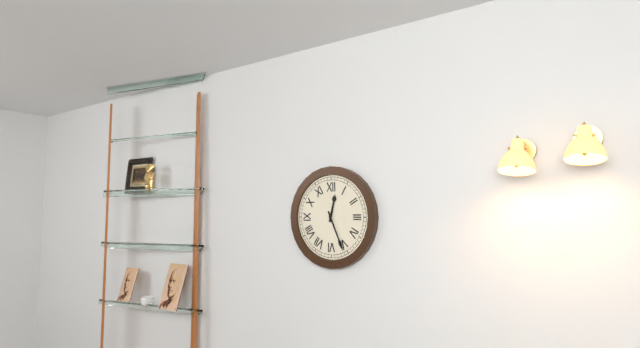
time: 12:26
